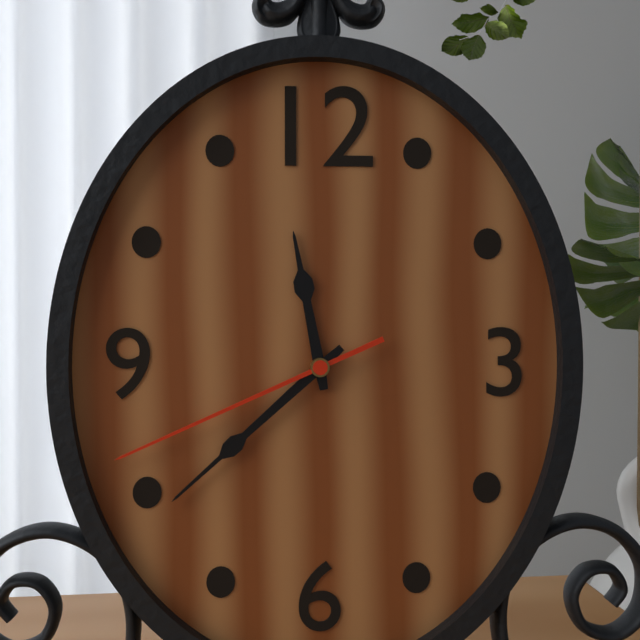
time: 11:38:41
